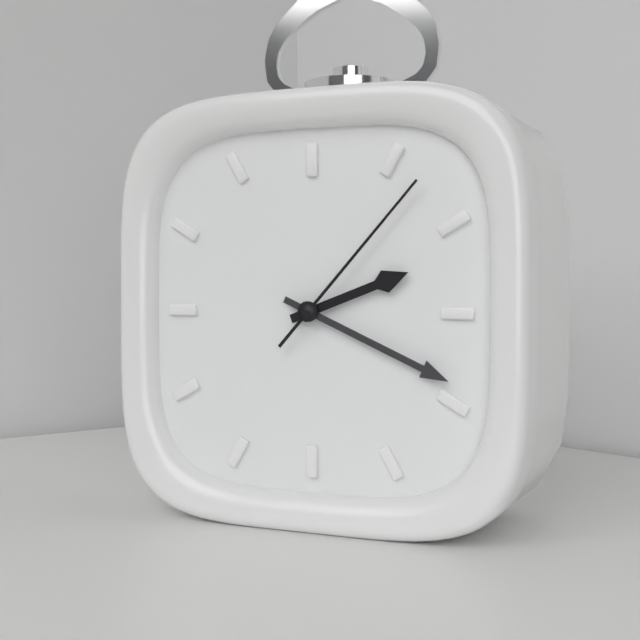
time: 2:19:07
